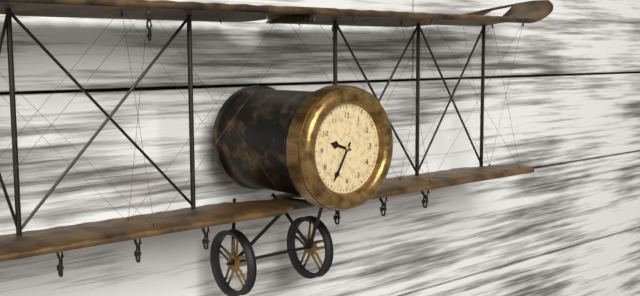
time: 9:35
